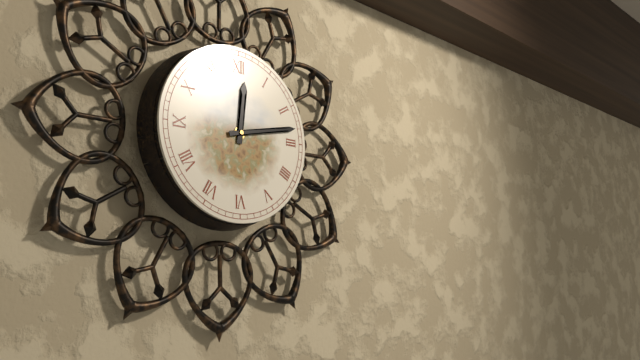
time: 12:13
